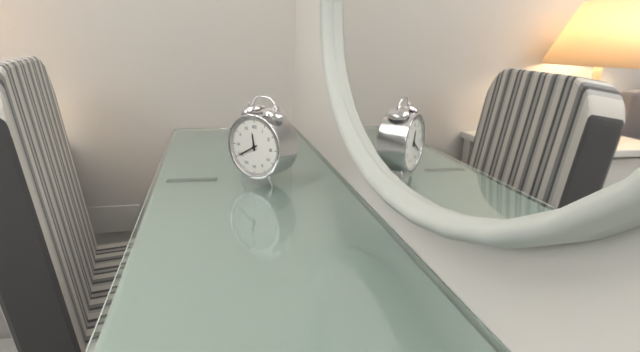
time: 11:40
